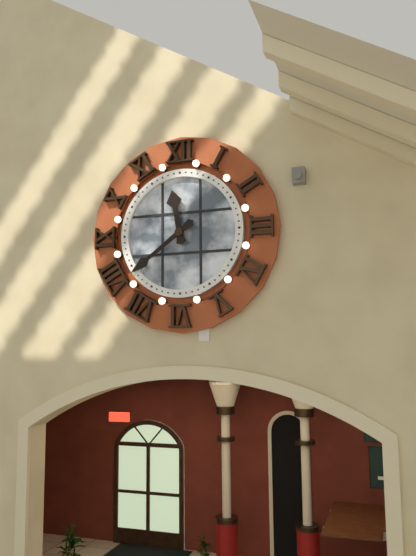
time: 11:39
